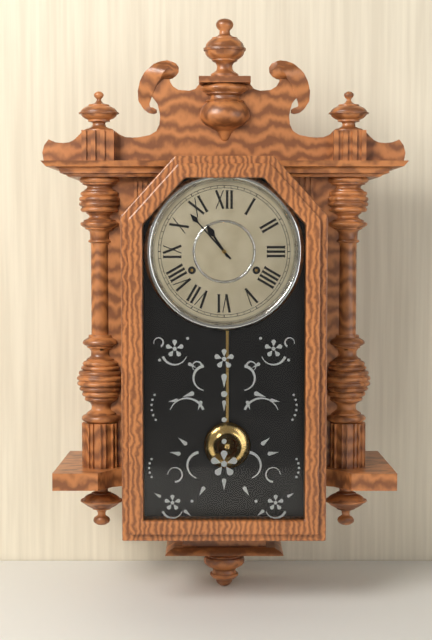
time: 10:53
